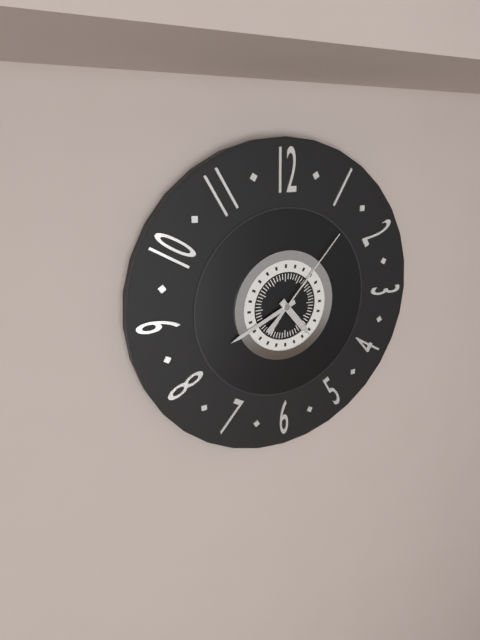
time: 4:41:07
